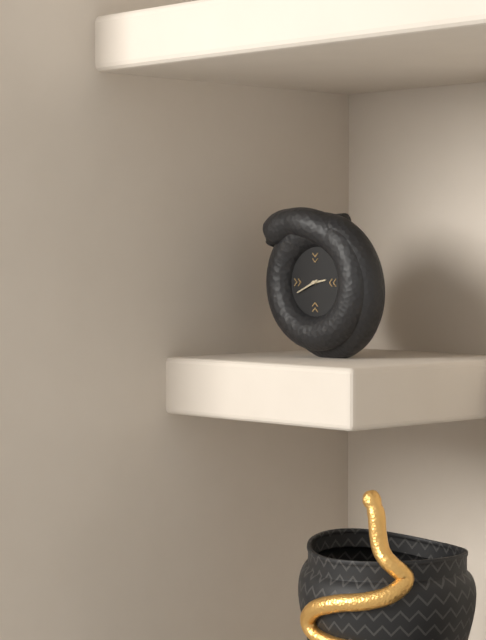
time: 2:41
